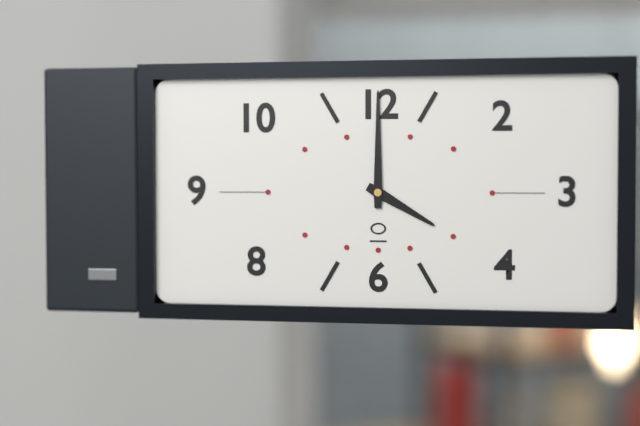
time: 4:00
